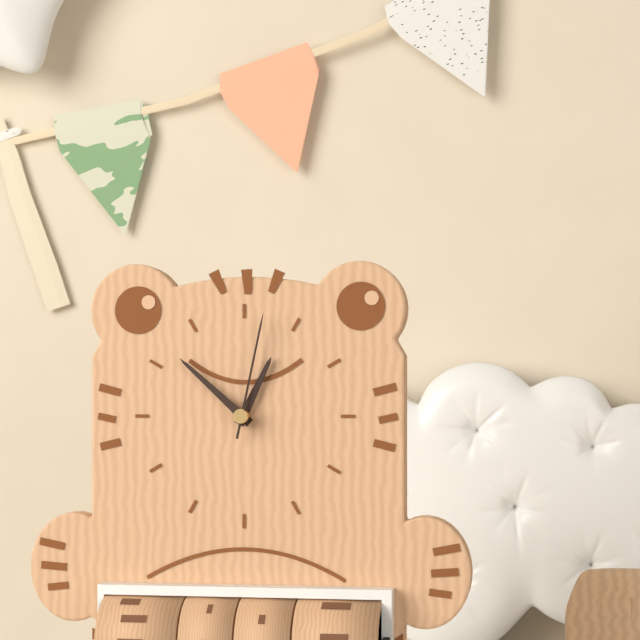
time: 12:52:02
